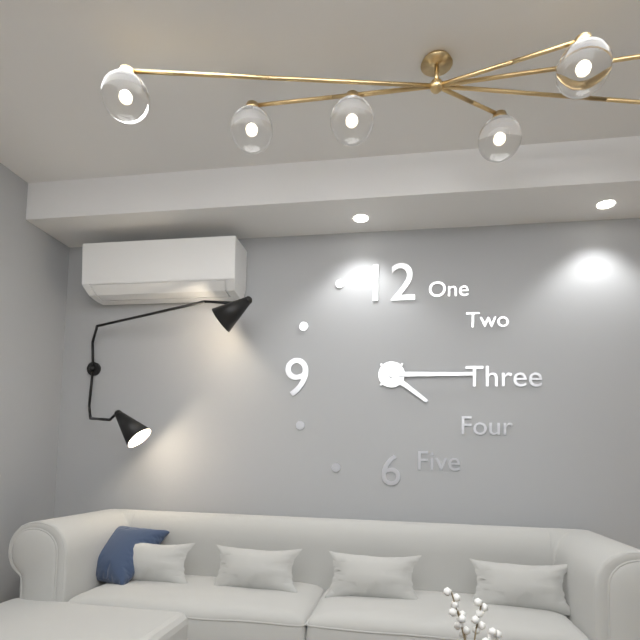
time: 4:15
